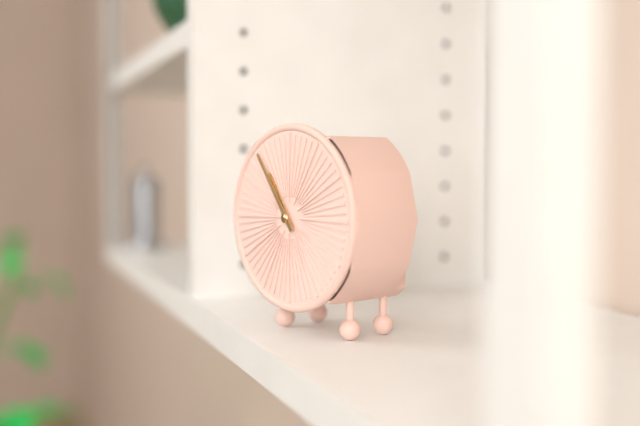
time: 10:54
